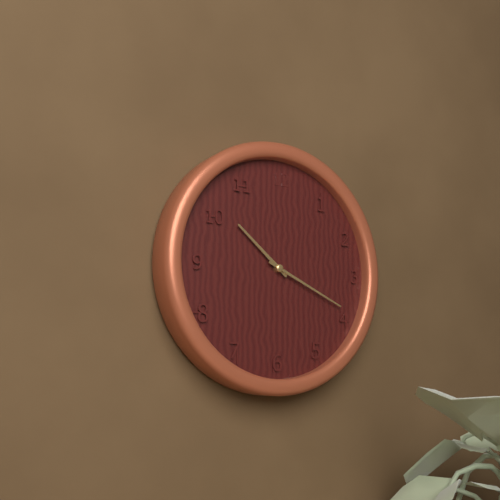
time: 10:19
